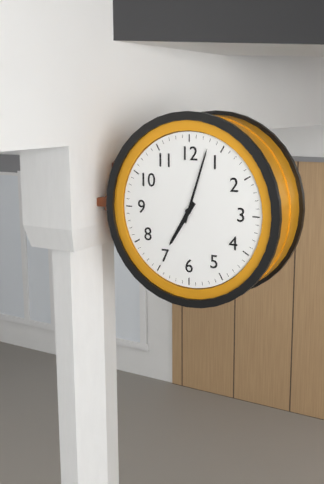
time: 7:03
